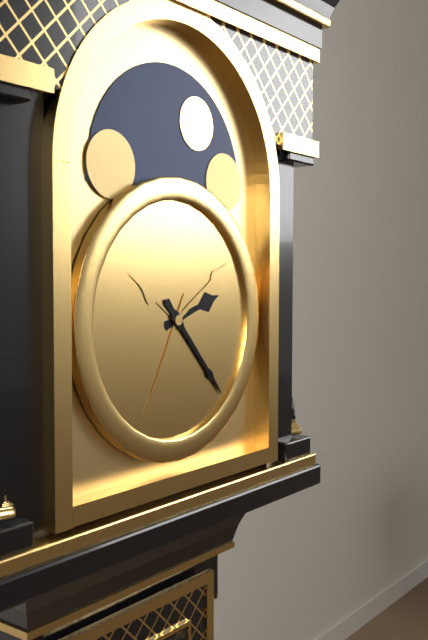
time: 2:23
